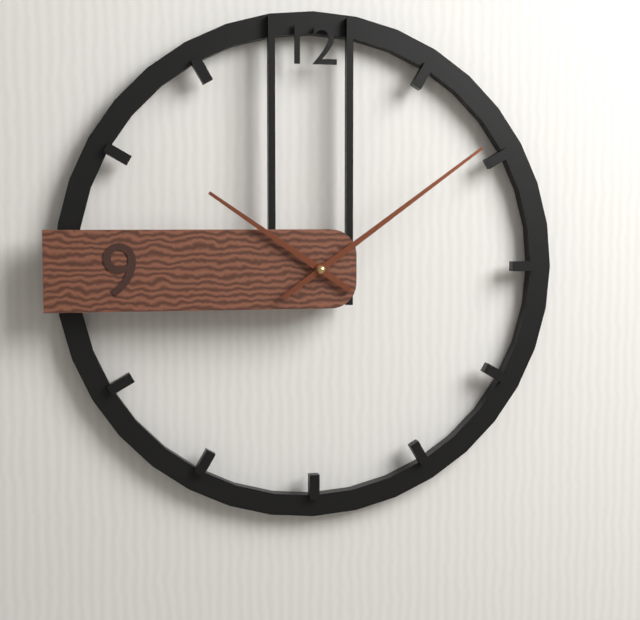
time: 10:09
